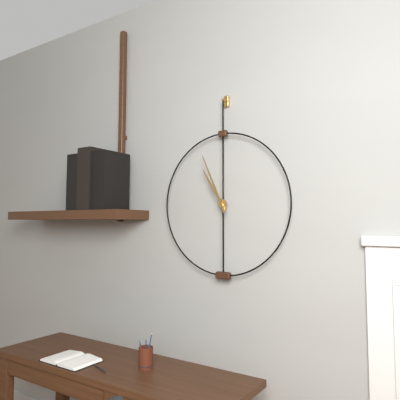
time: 10:56
